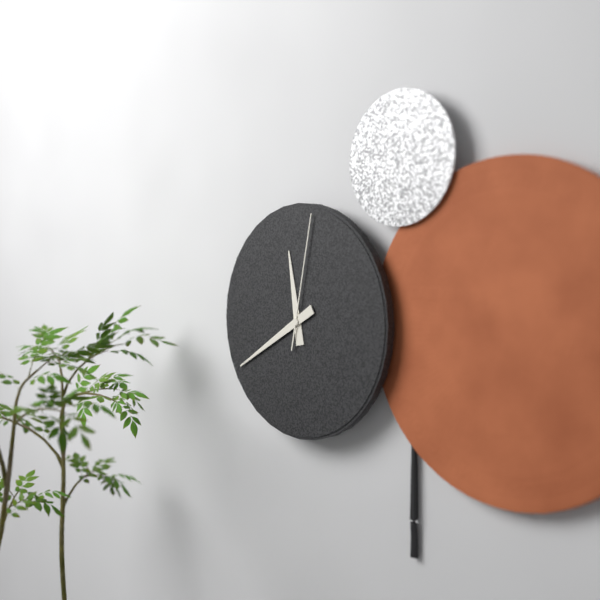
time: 11:40:02
